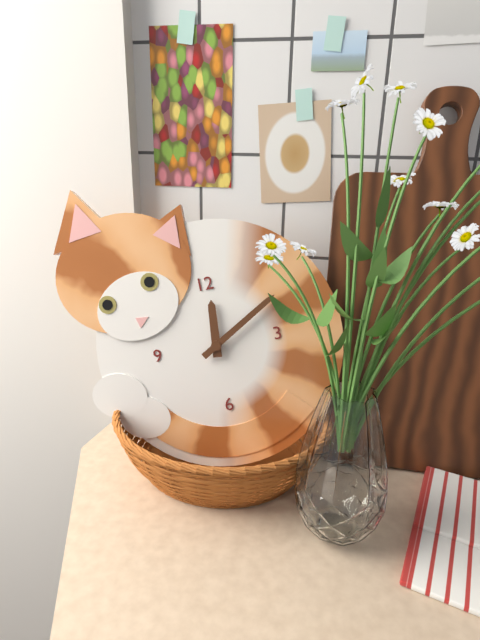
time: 12:10
